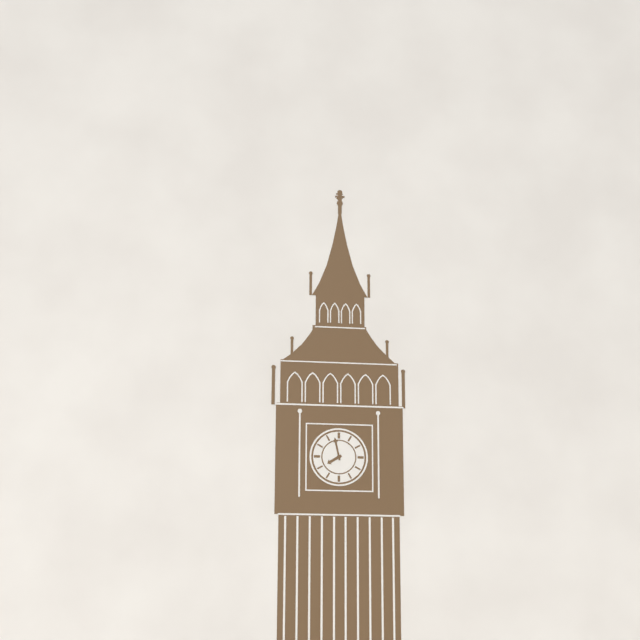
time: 7:58
